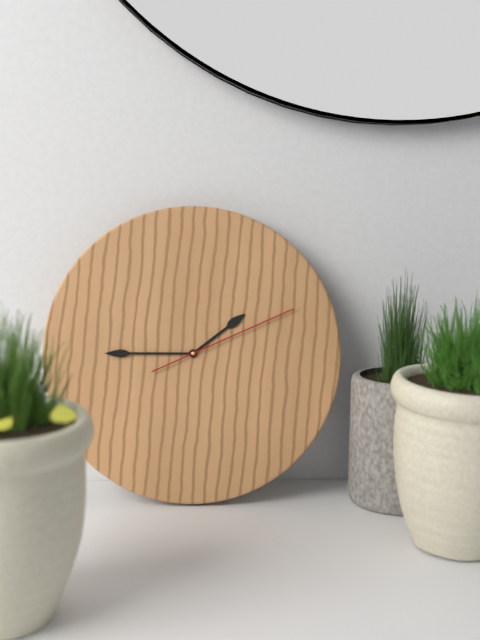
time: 1:45:11
